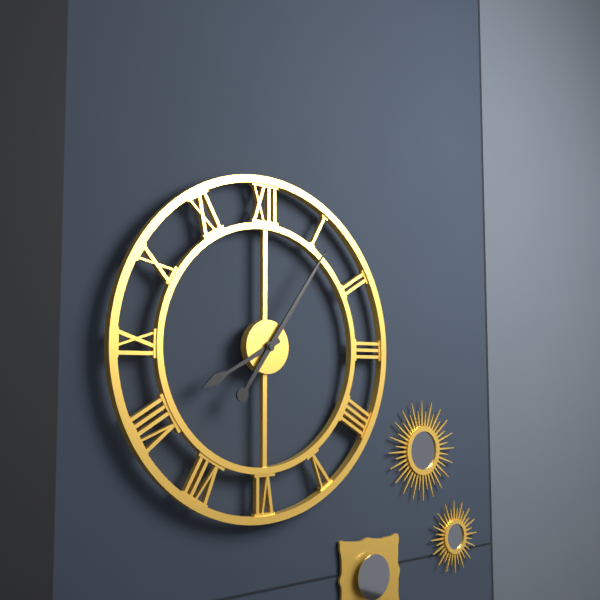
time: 8:06
